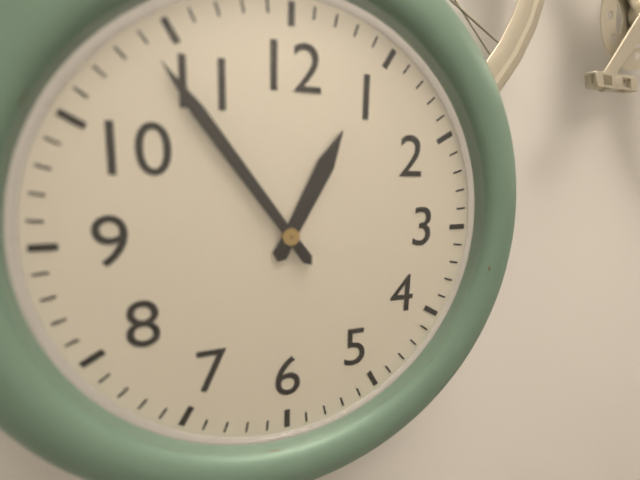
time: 12:54
